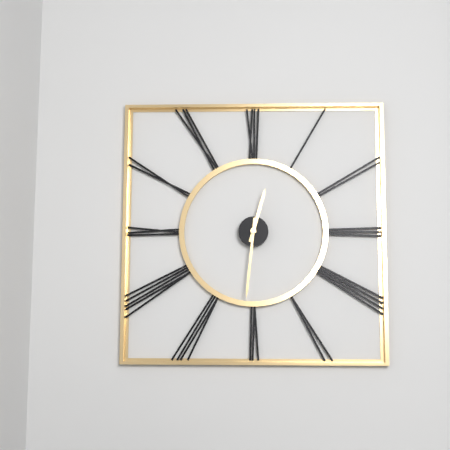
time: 12:31
